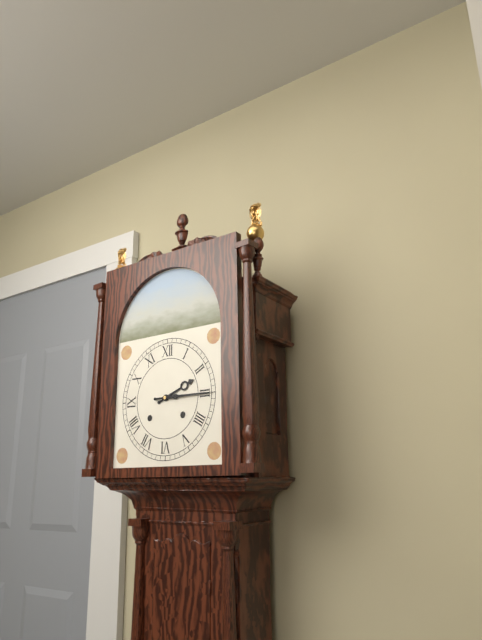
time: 2:15
